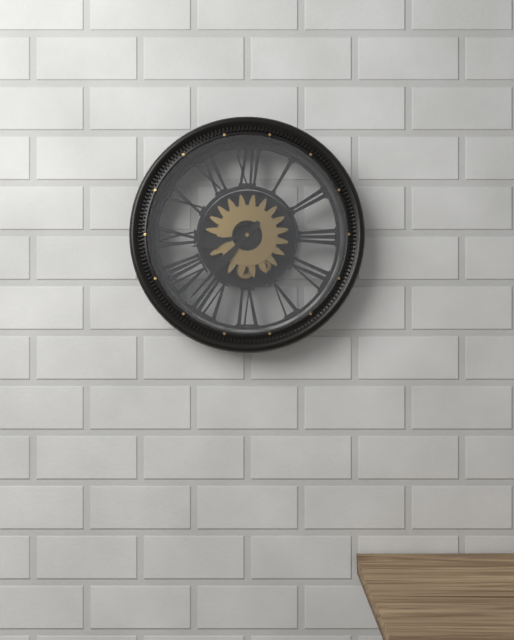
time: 8:37
